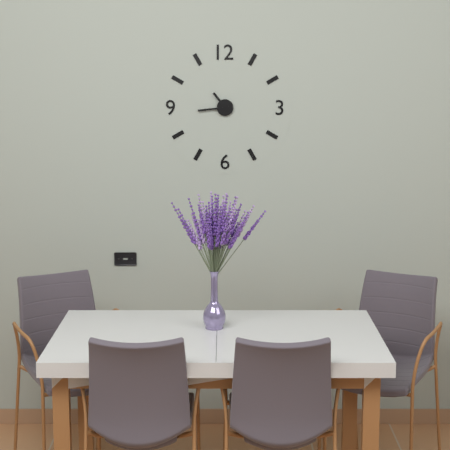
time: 10:44
